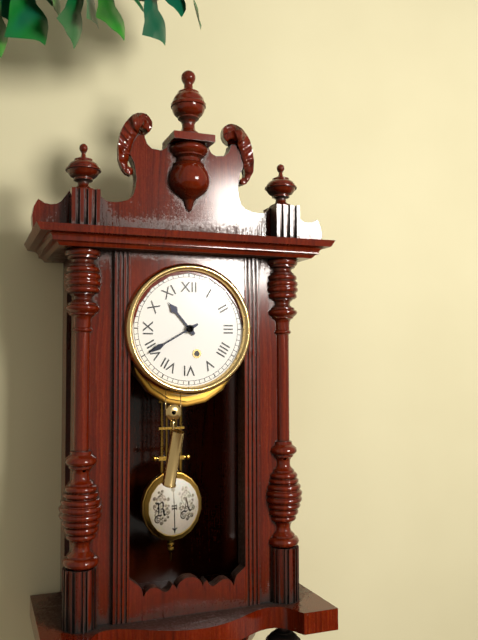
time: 10:40
